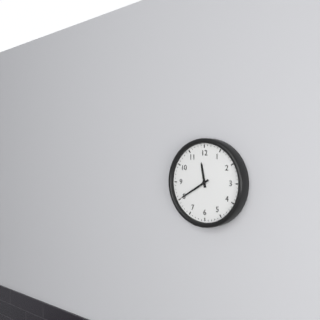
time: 11:40
